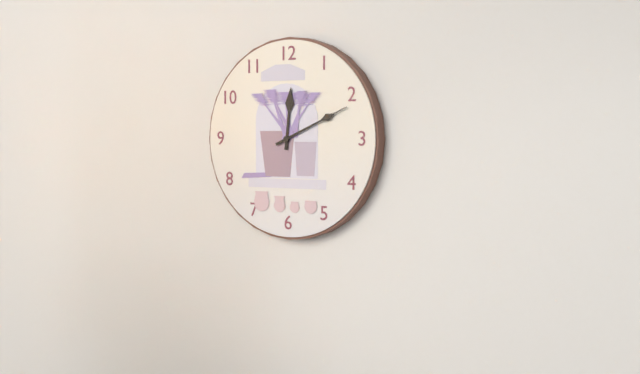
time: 12:11
